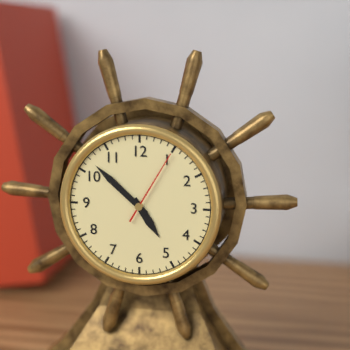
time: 4:52:05
